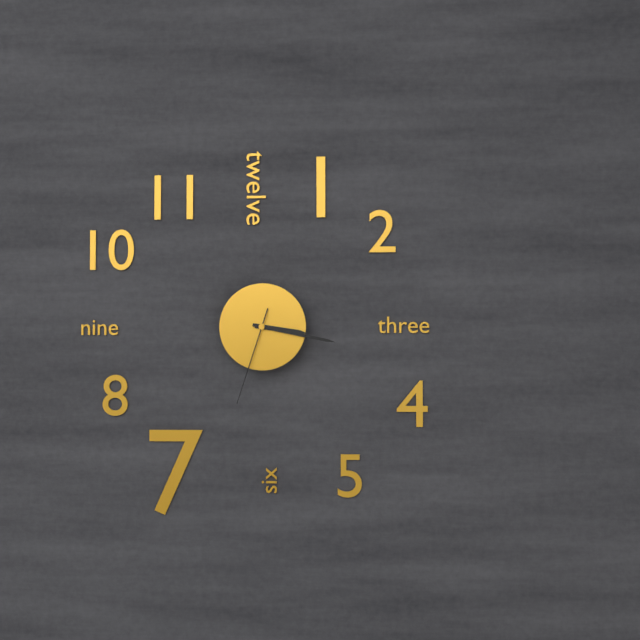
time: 3:17:33
